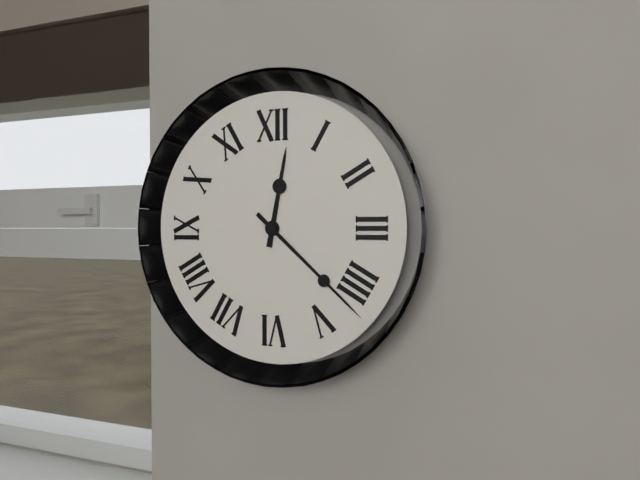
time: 12:22
